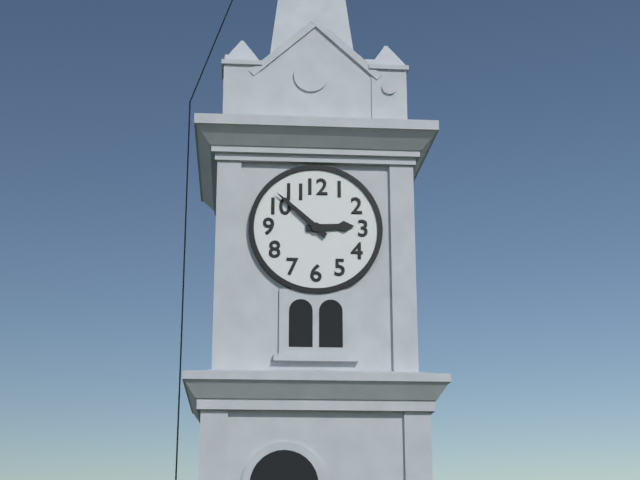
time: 2:52
